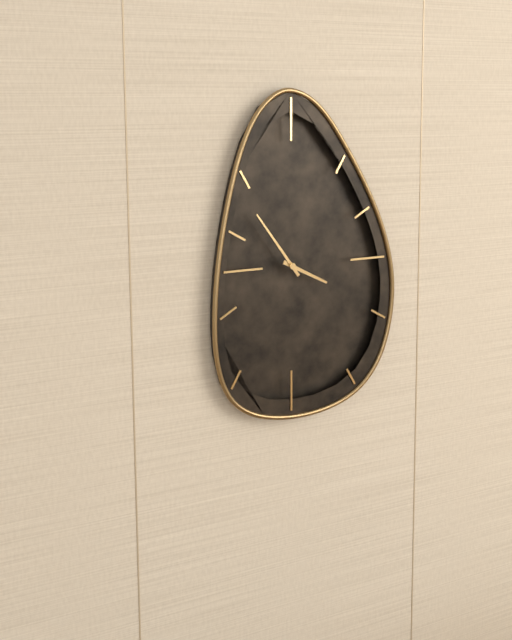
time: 3:54
